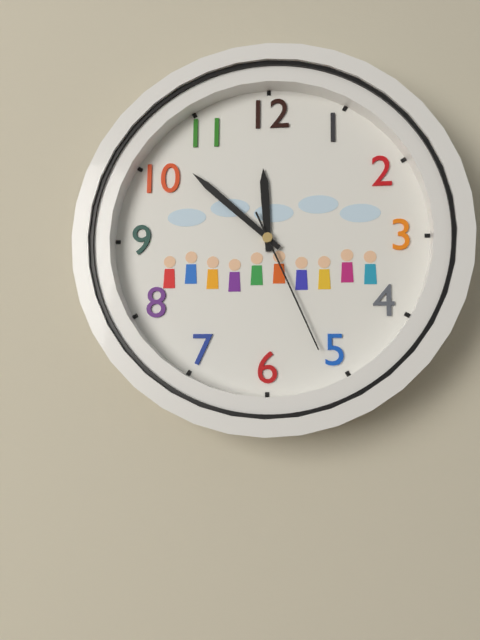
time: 11:52:26
